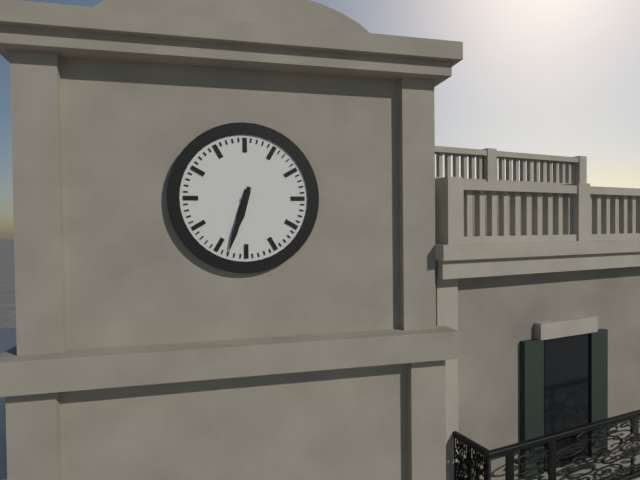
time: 6:33
